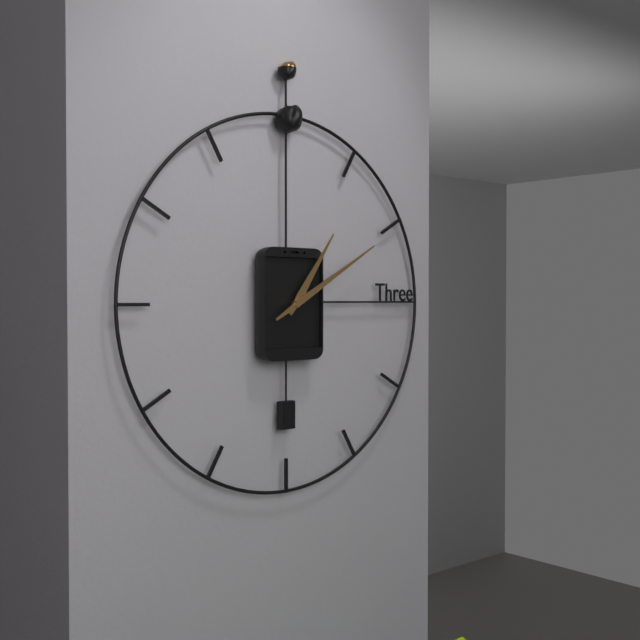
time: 1:10
